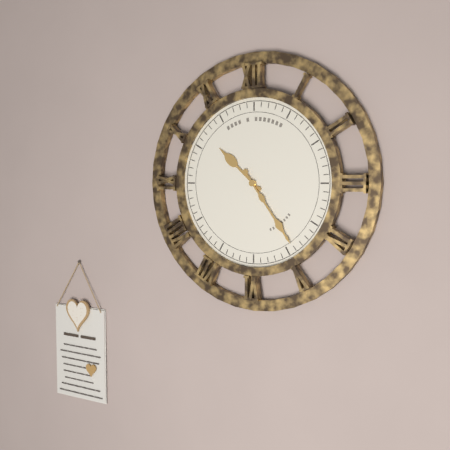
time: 10:24
